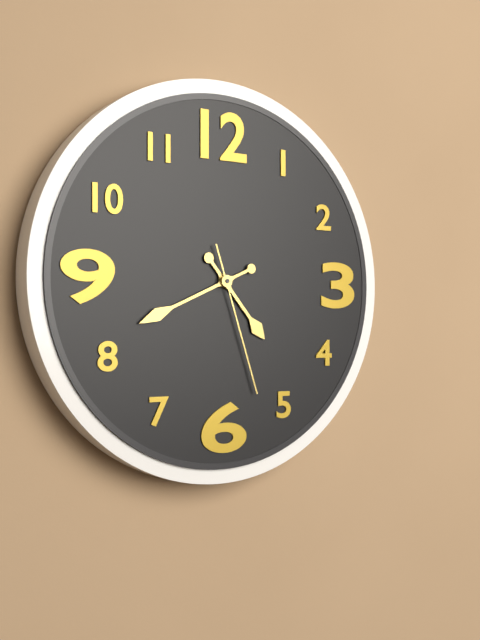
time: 4:41:27
